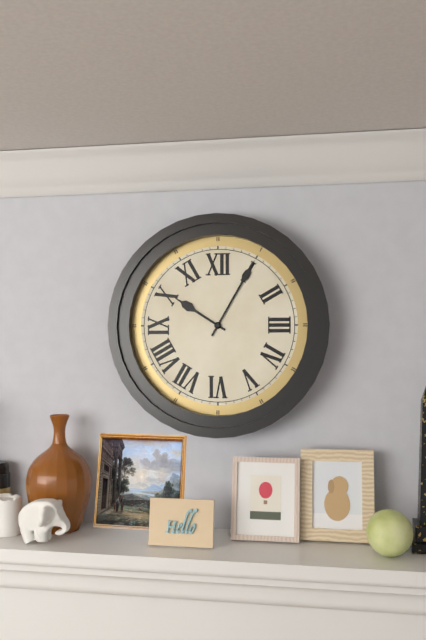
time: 10:05
